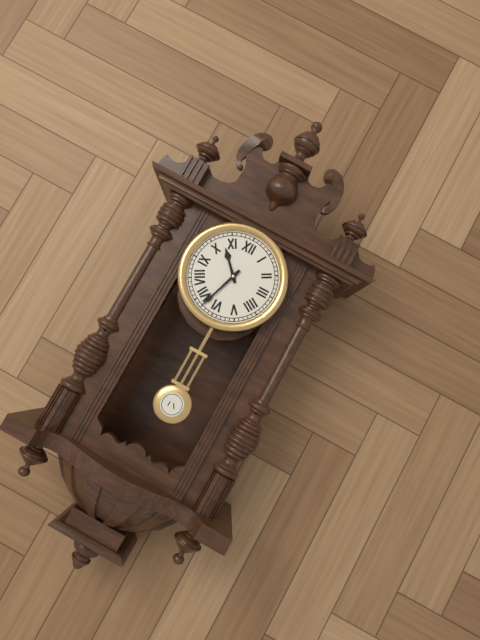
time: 10:33
